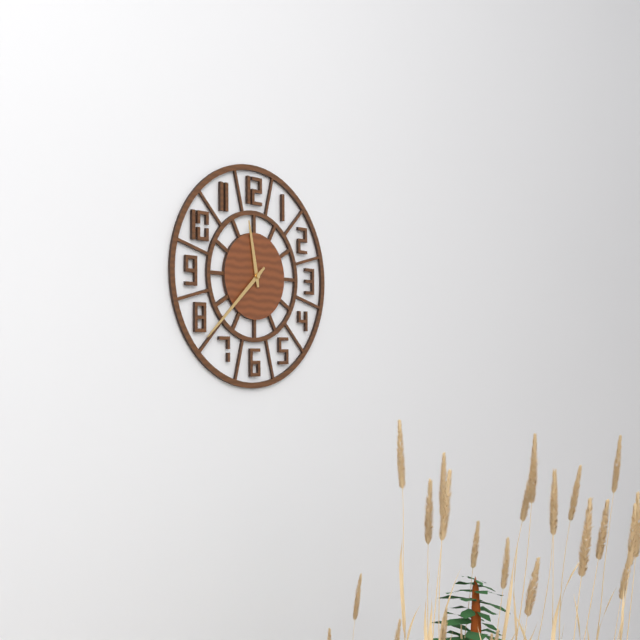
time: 11:38
